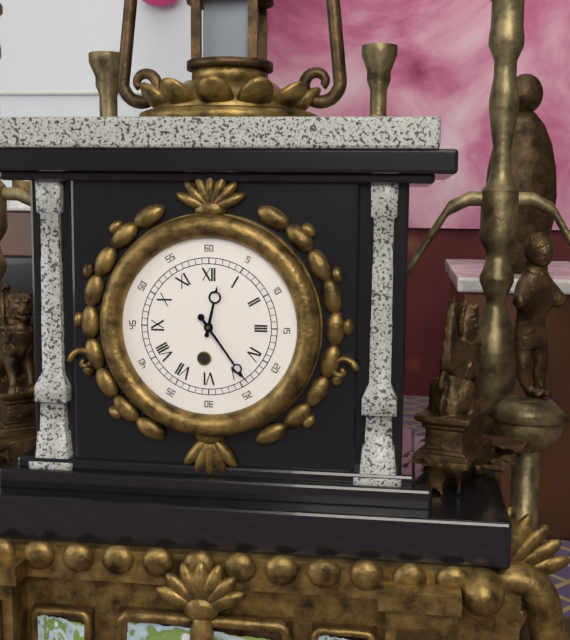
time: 12:24
